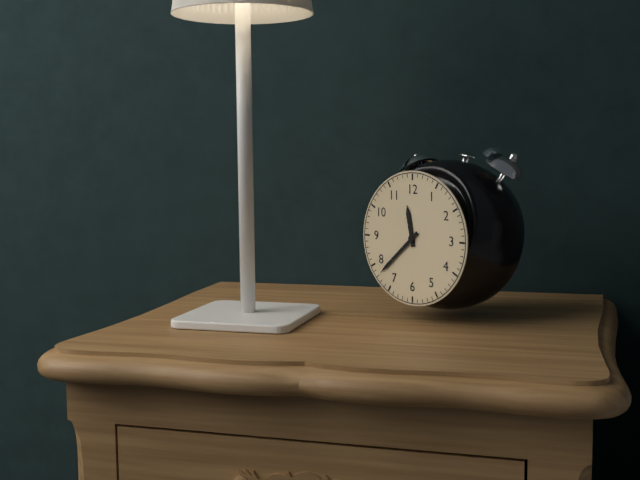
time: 11:38
